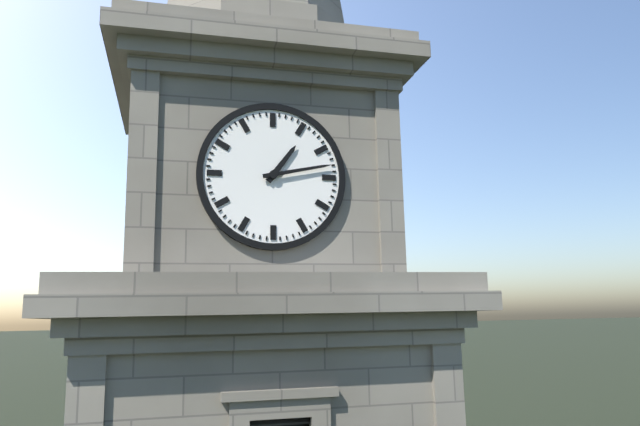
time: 1:13
